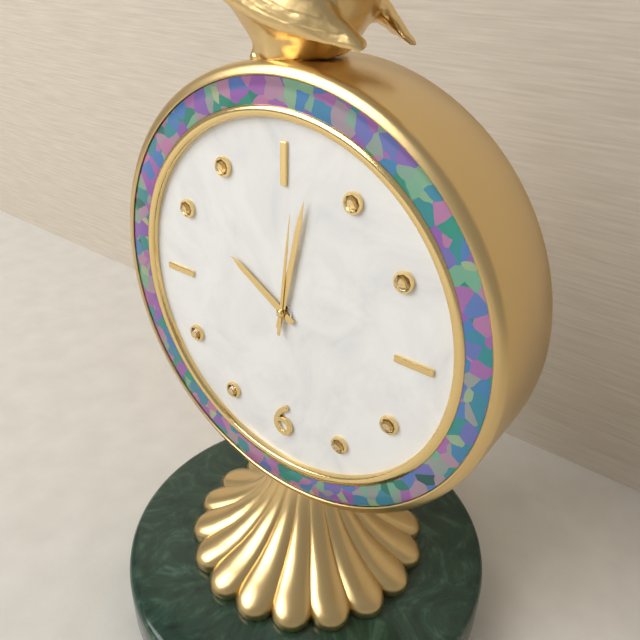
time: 10:02:01
